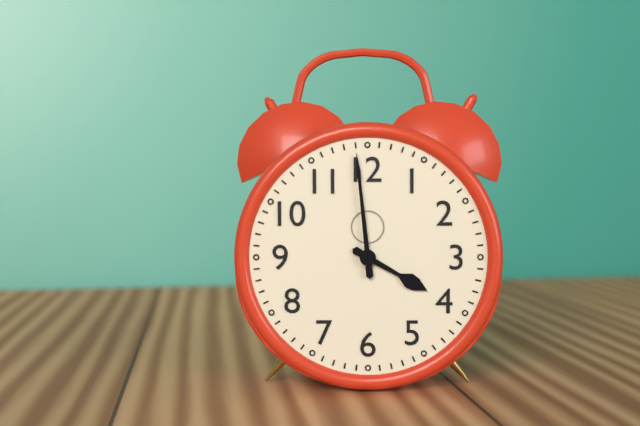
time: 3:59
